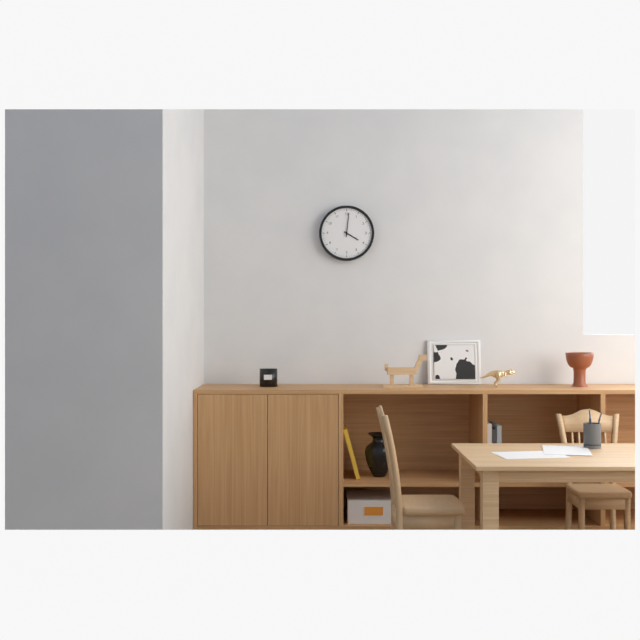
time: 4:01
